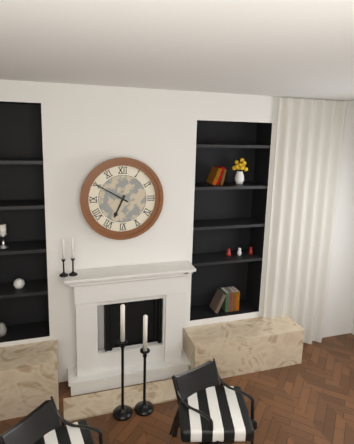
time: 6:50
